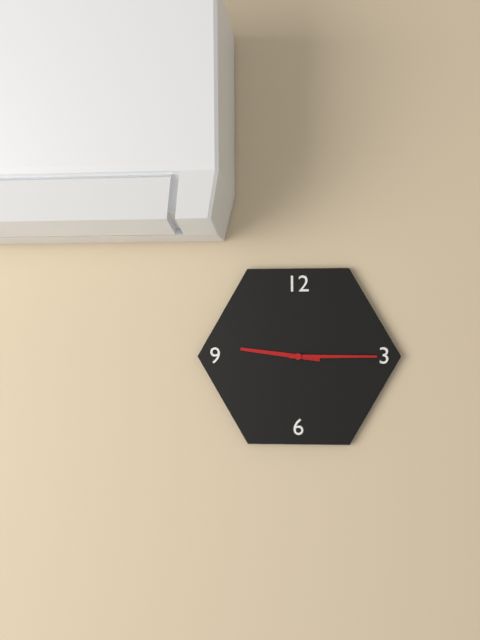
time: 9:15
